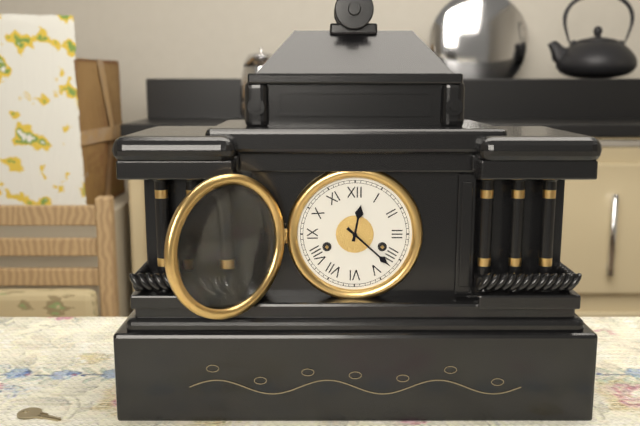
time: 12:22
